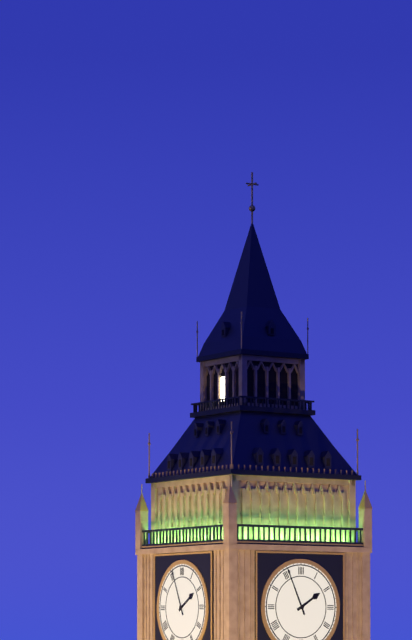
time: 1:56
